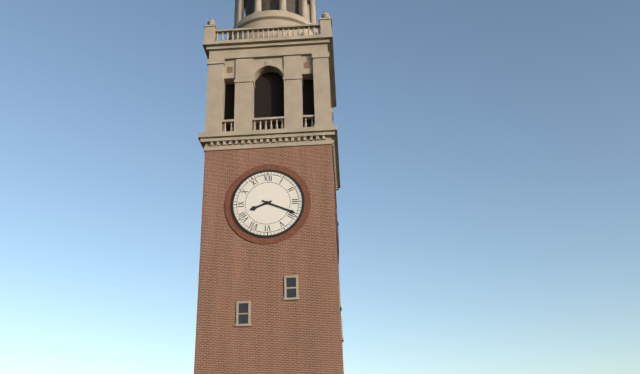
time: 8:19
